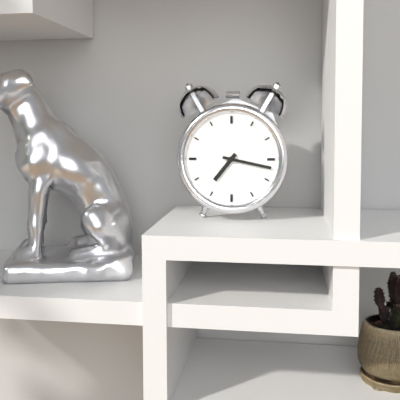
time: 7:17
